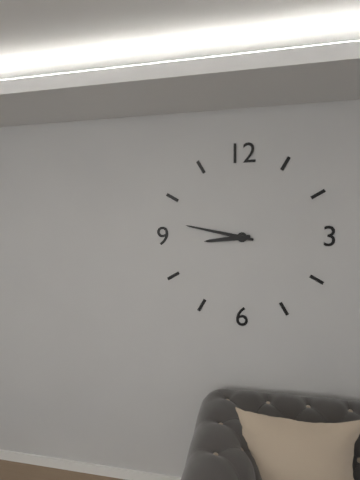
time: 8:47
